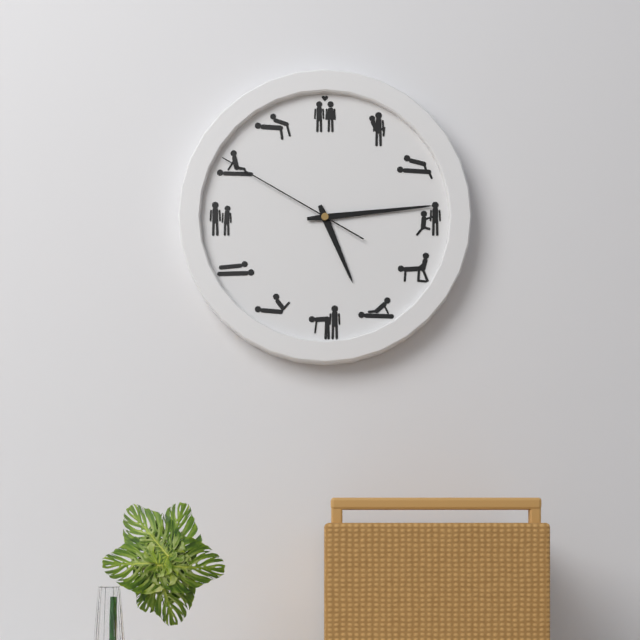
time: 5:14:50
